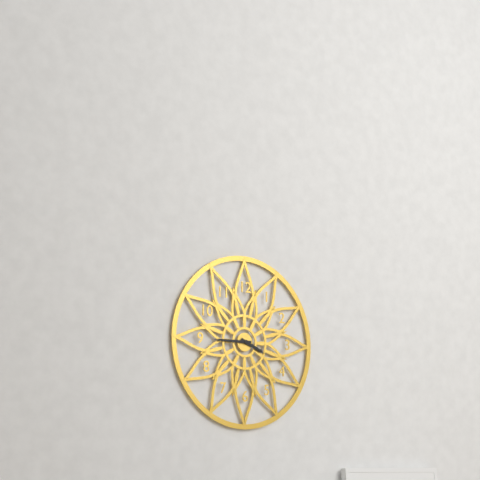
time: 3:45
